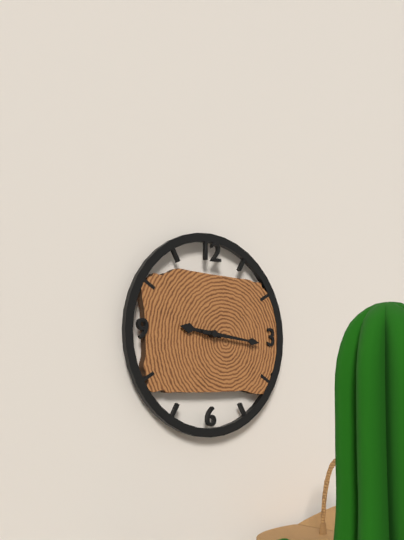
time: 9:16
